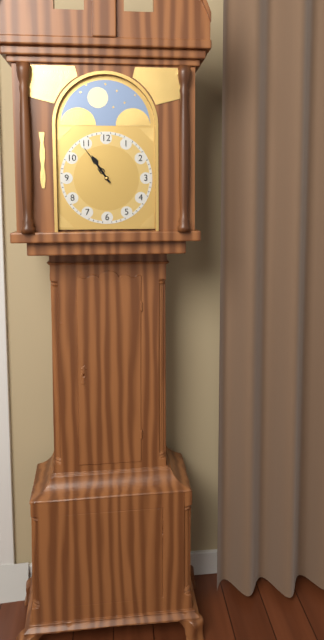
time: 10:54
